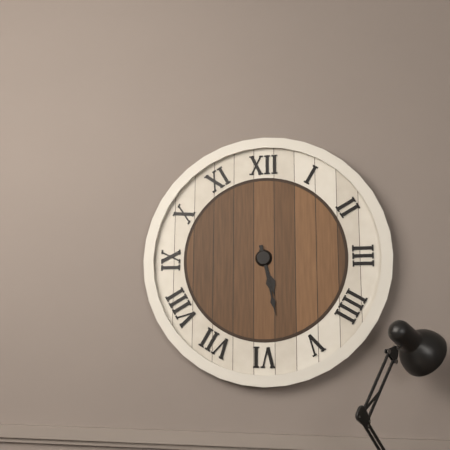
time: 5:28
